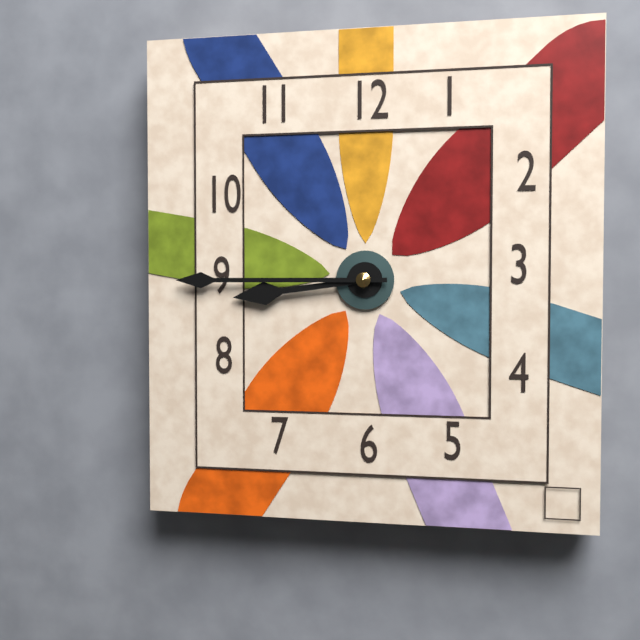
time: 8:45
